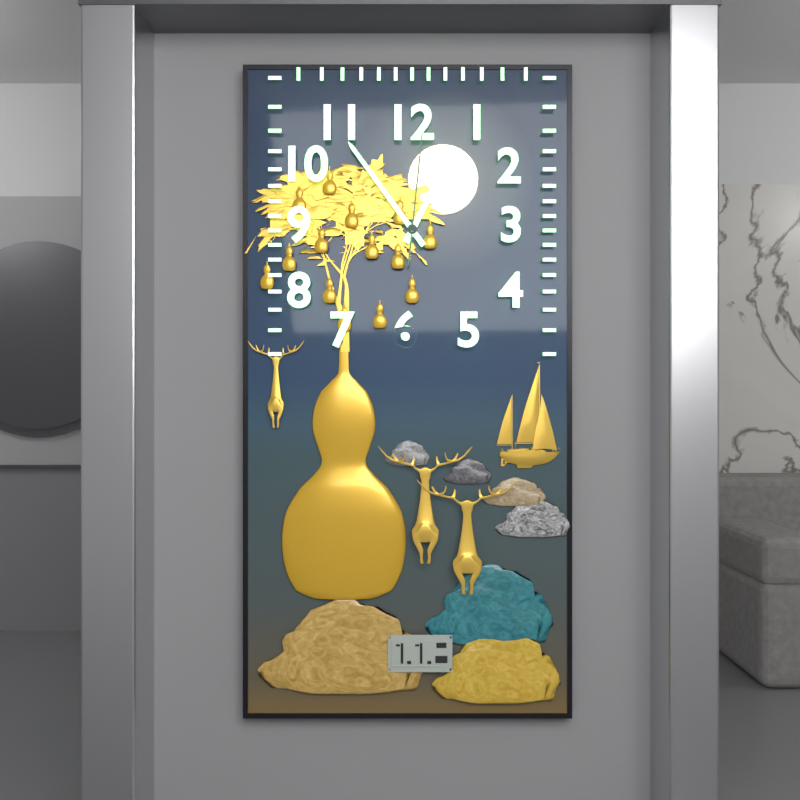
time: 12:54:01
